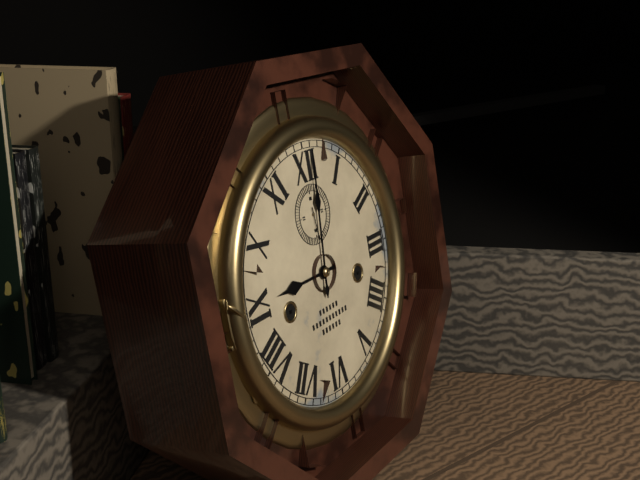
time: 9:01
